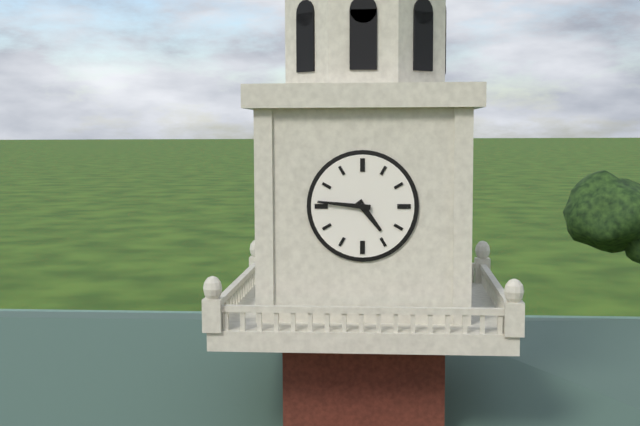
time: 4:46
